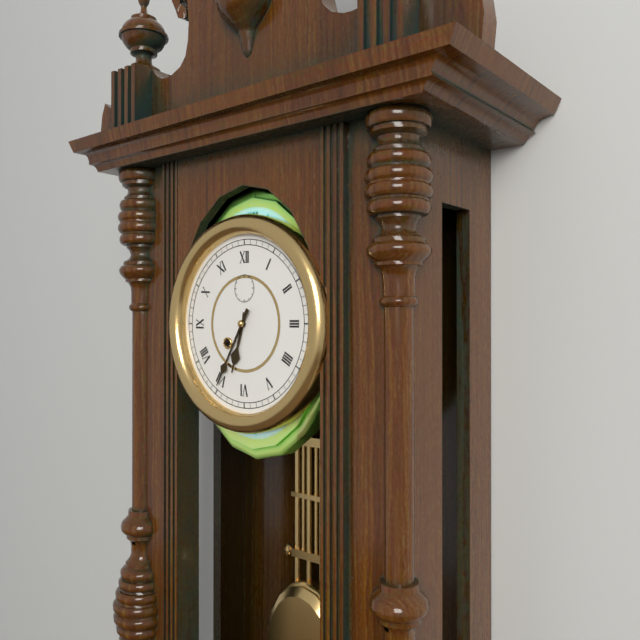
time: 6:35
